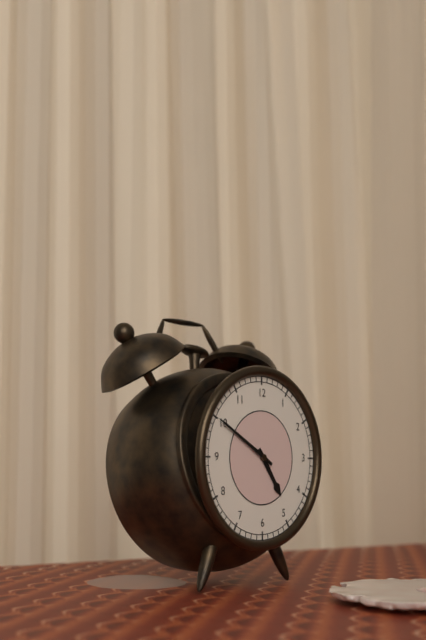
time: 4:50
